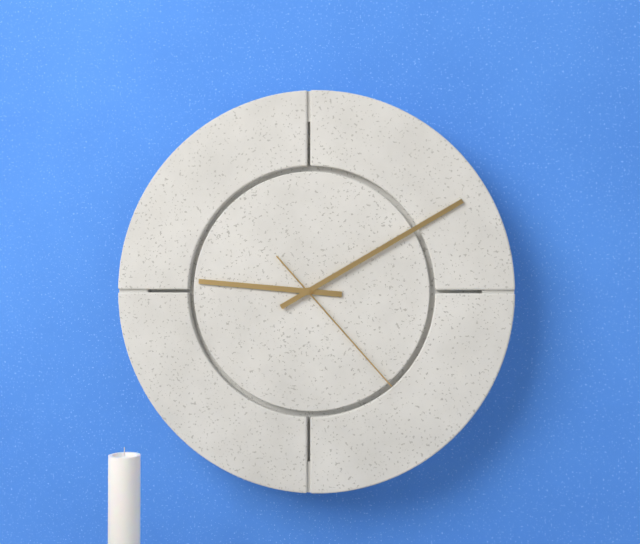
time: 9:10:23
